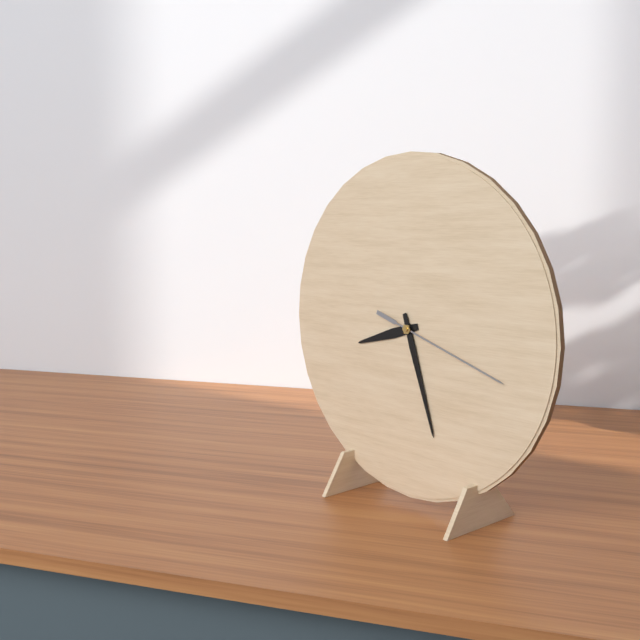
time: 8:27:18
